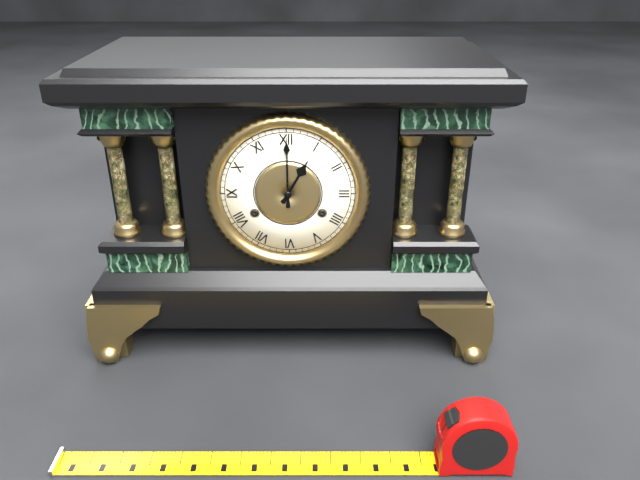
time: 1:00
